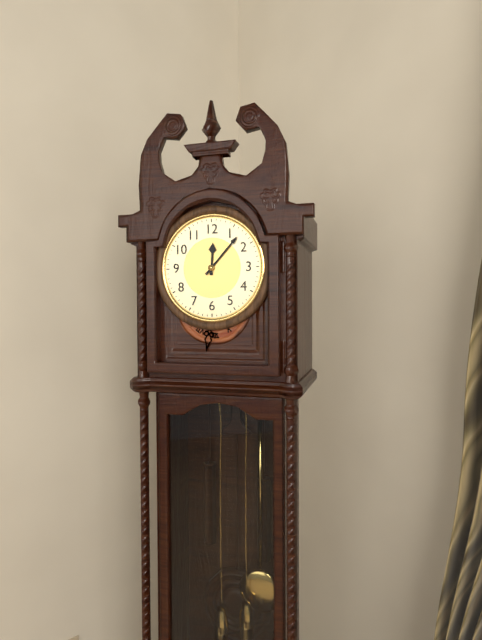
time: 12:07
